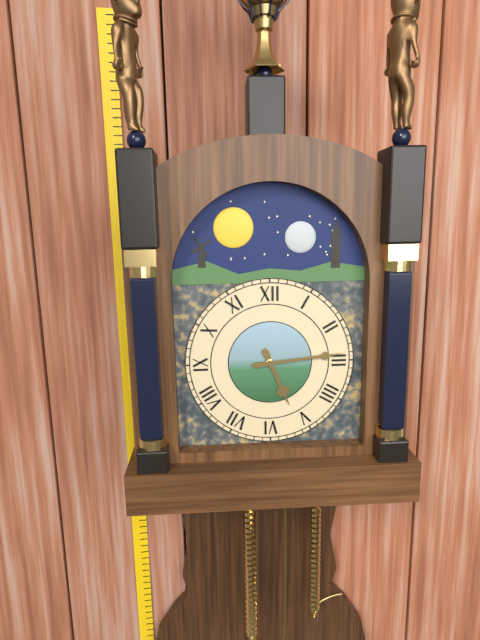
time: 5:14
